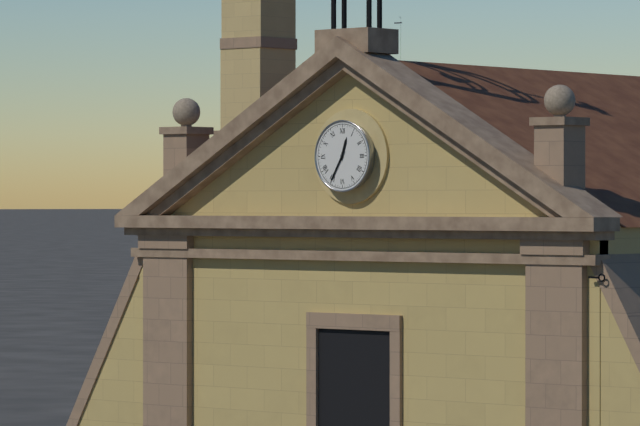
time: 12:35
